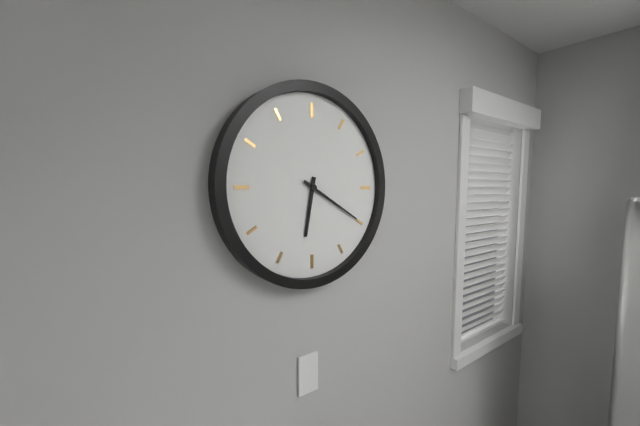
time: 6:20
